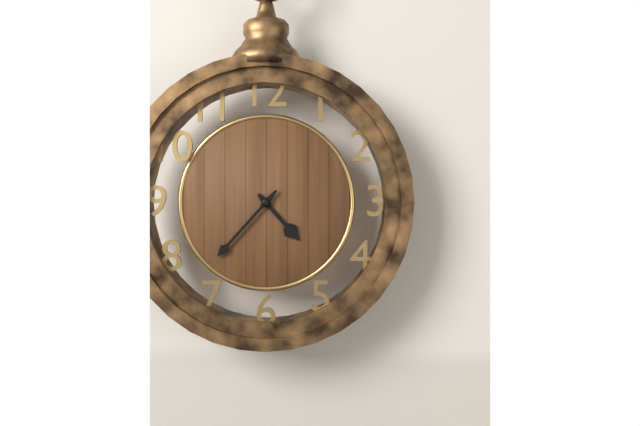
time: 4:37
